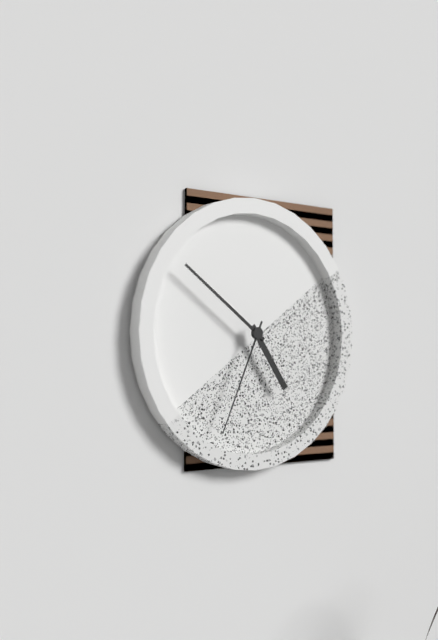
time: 4:51:34
